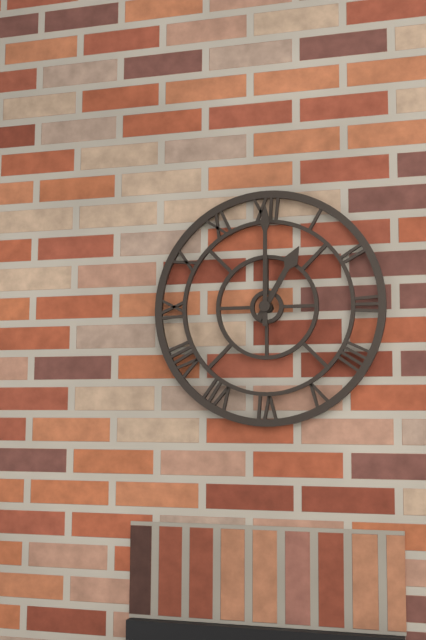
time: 1:00
